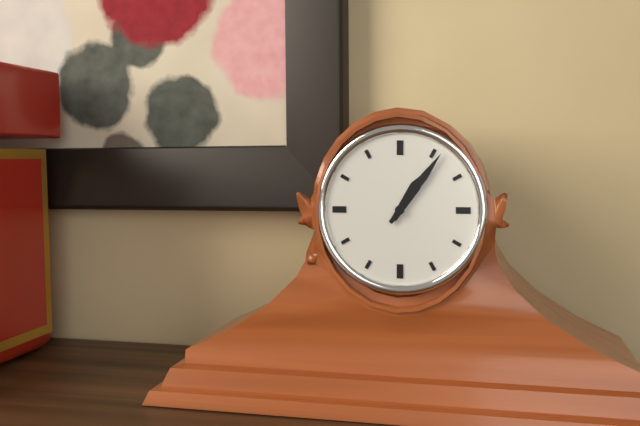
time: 1:06
